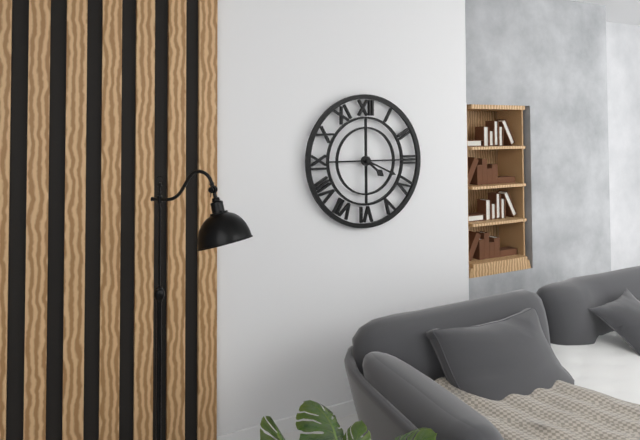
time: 4:19
